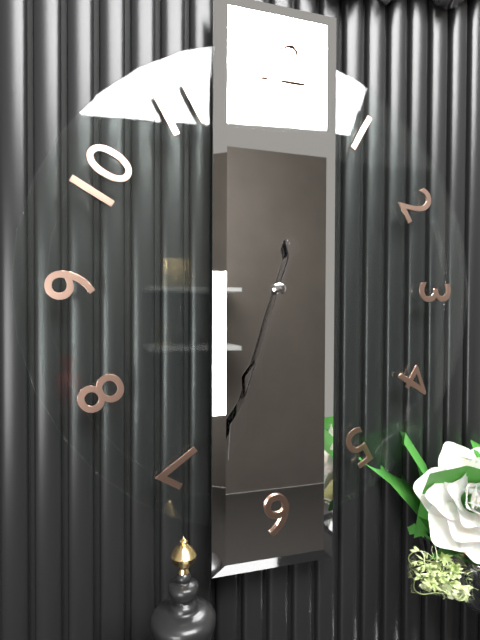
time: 6:33
